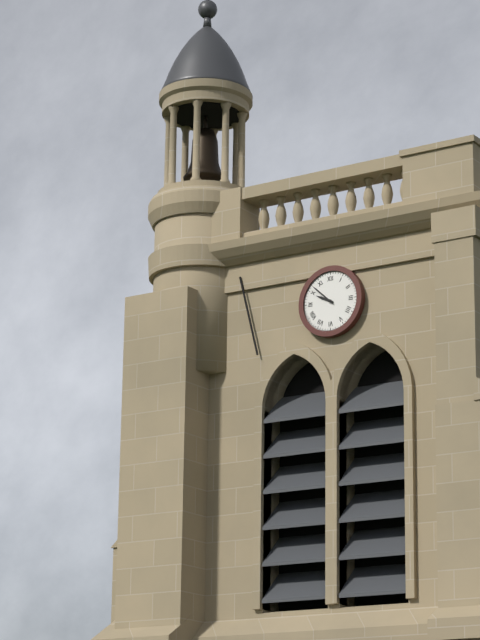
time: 9:52
